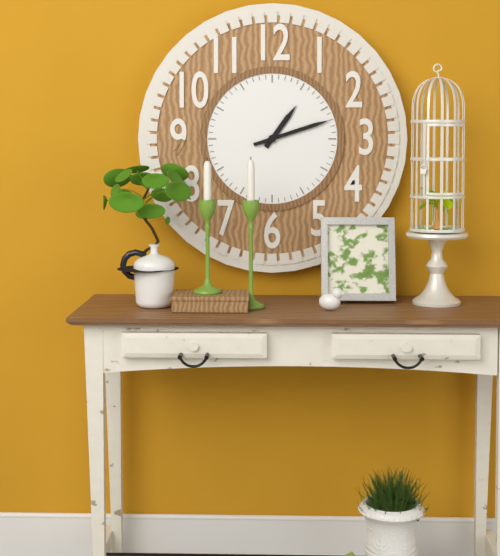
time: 1:12
